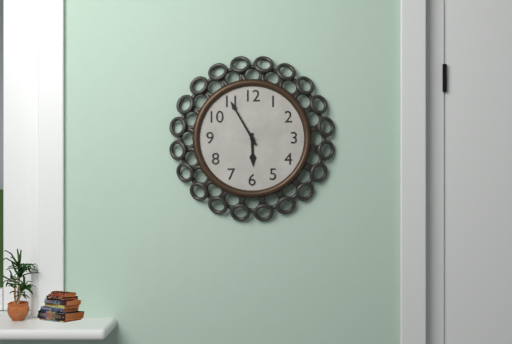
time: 5:55
